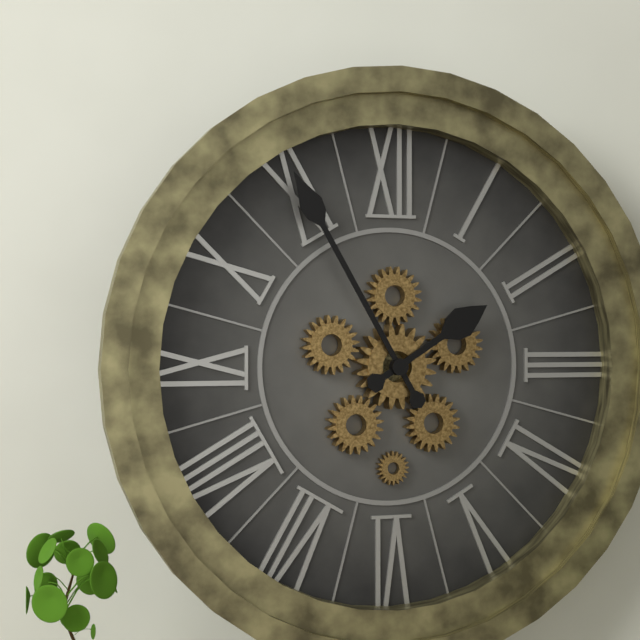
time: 1:55
